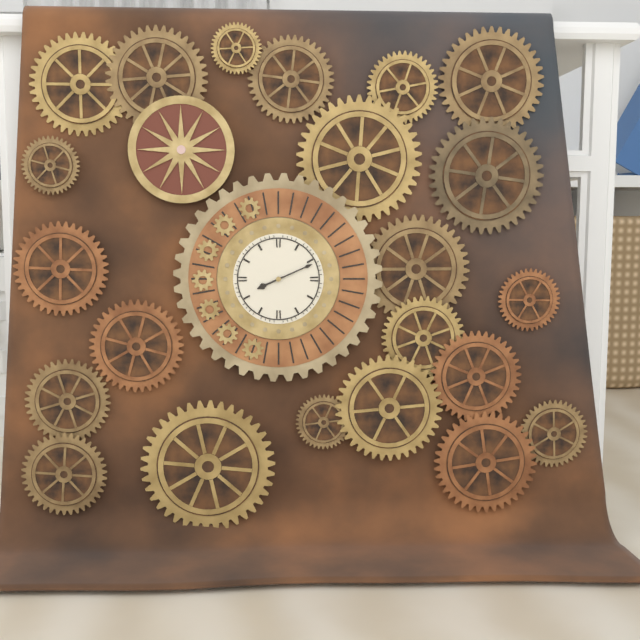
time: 8:11
